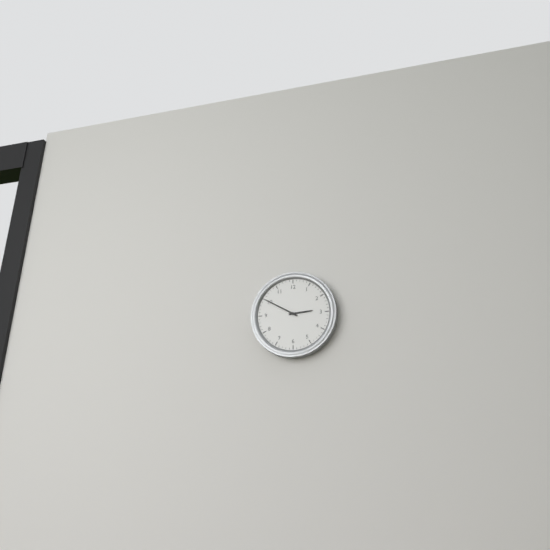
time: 2:50
